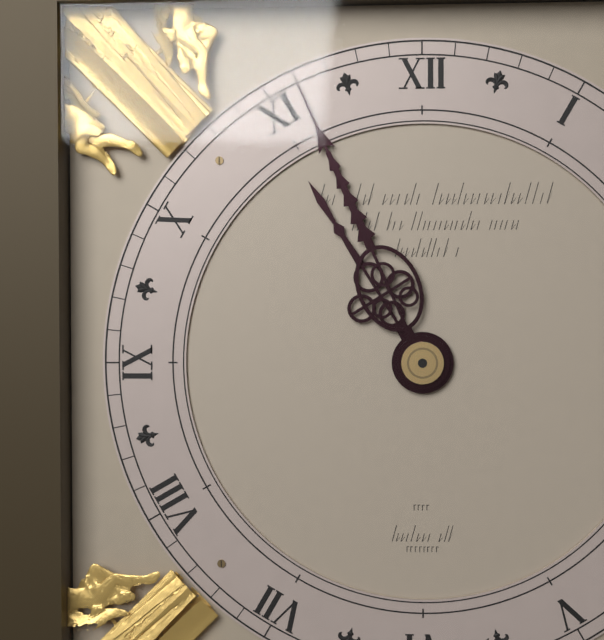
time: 10:56
